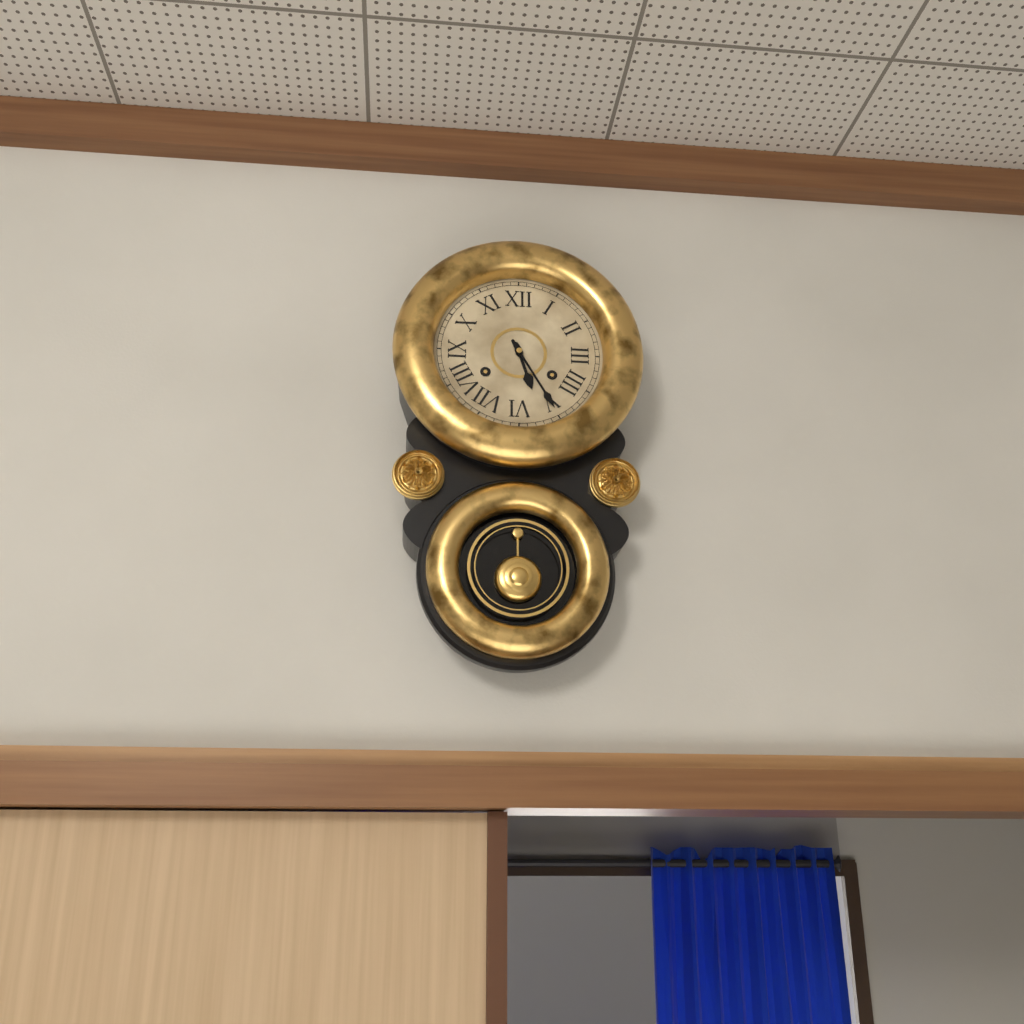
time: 5:25
